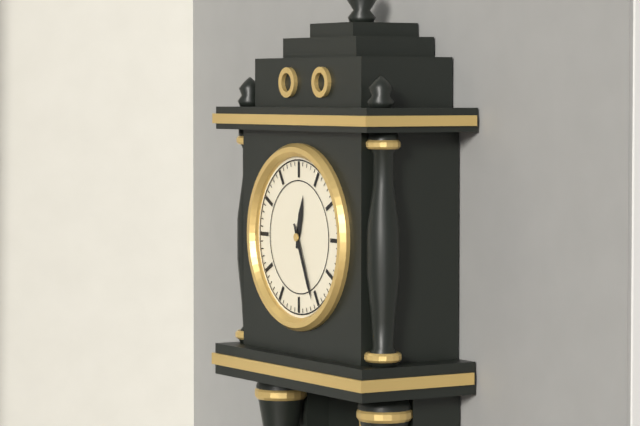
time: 12:26
